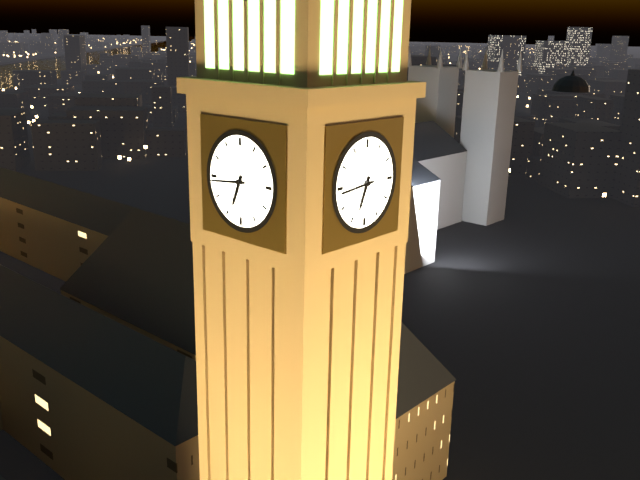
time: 6:44
